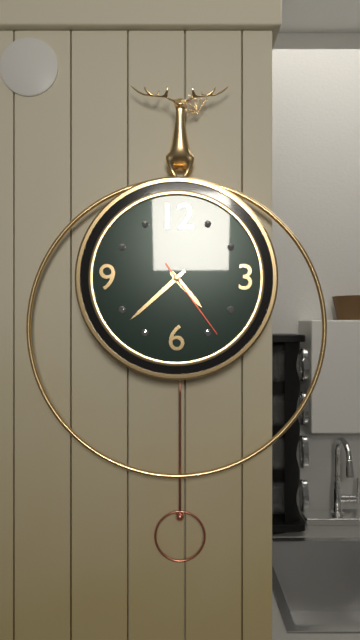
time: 4:38:24
